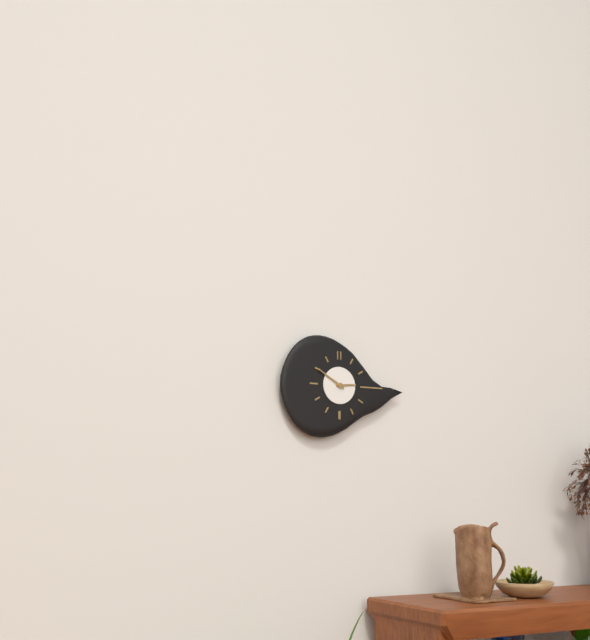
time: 2:50
